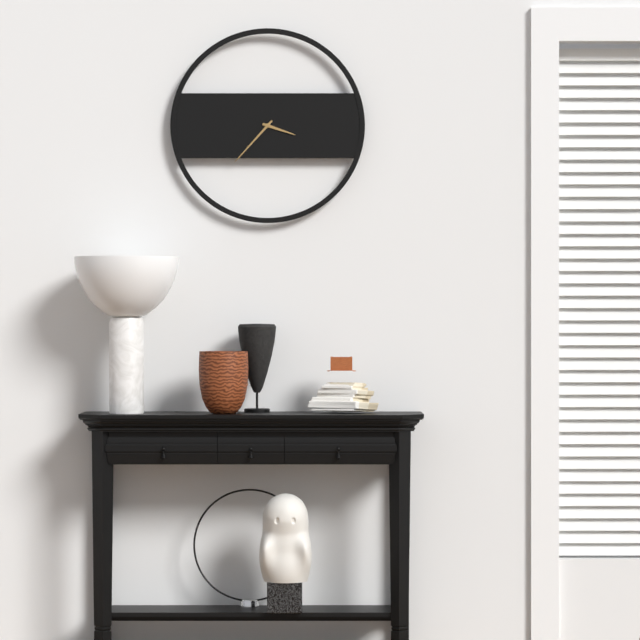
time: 3:37
